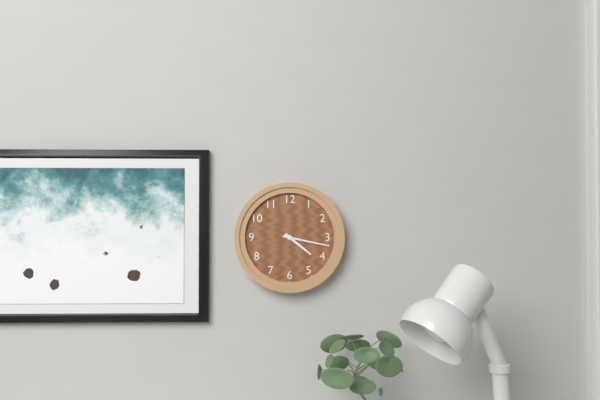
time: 4:17
